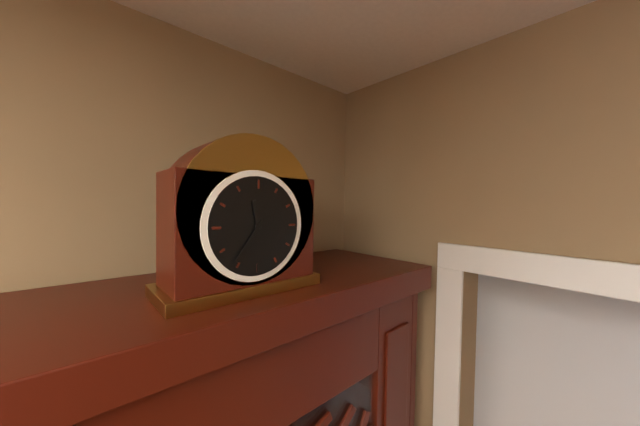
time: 11:36
